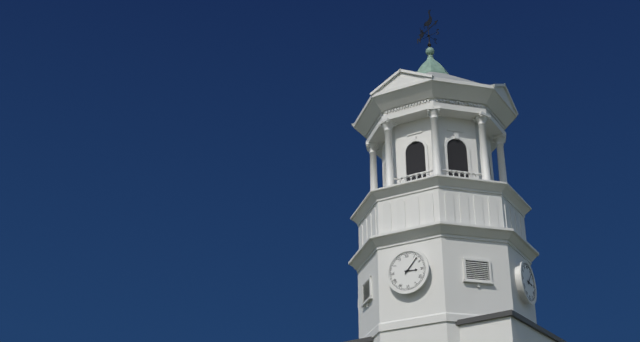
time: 3:07
